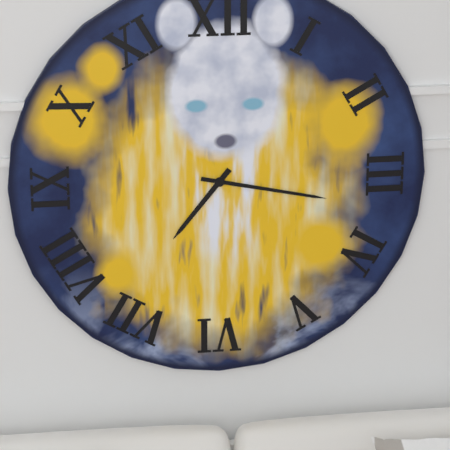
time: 7:17
